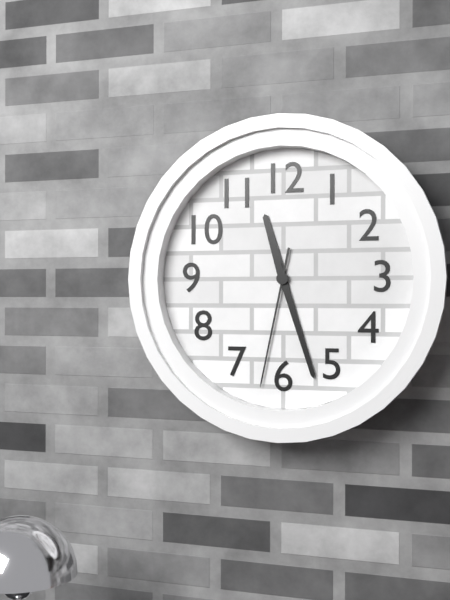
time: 11:27:32
